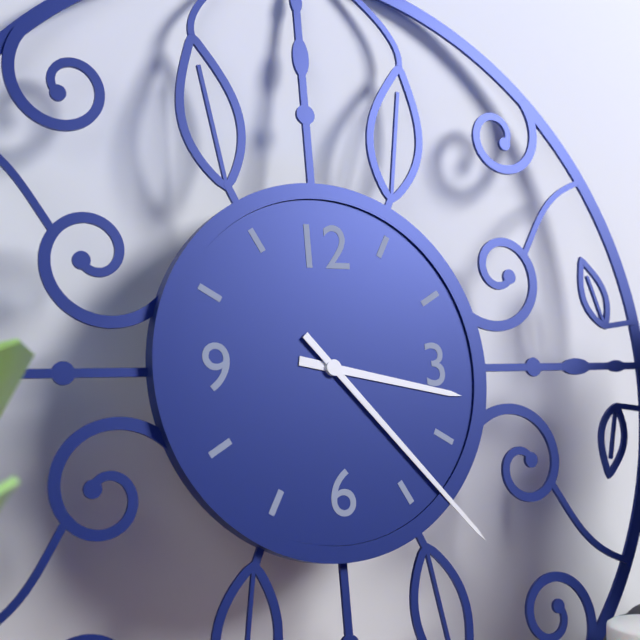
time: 3:23
